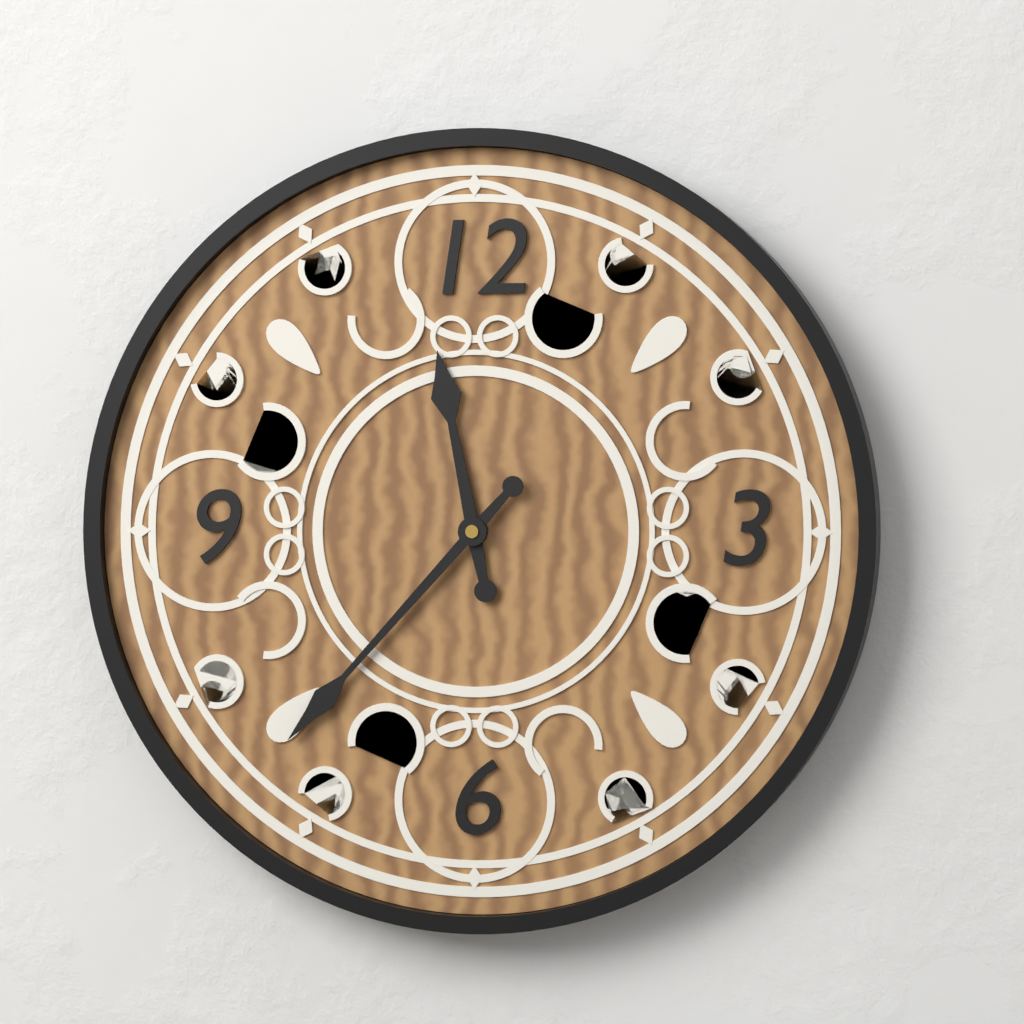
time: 11:37
